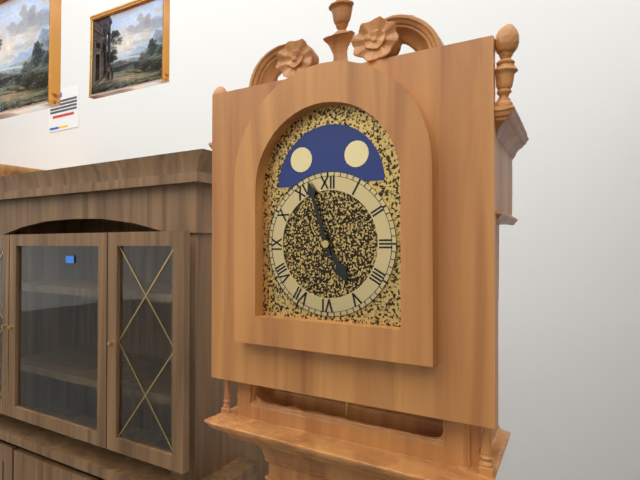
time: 4:57
